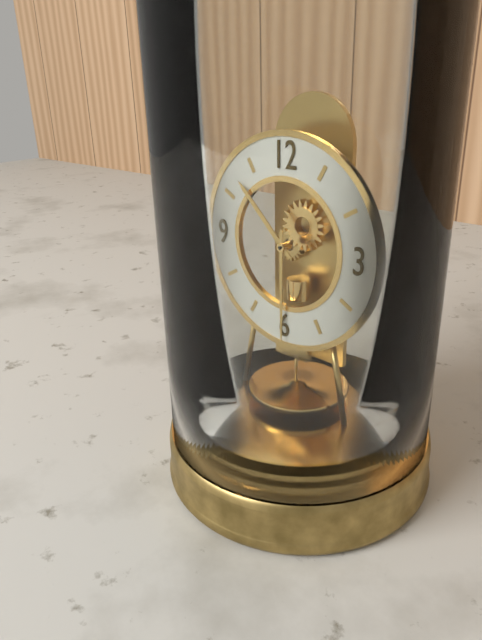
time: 10:30
